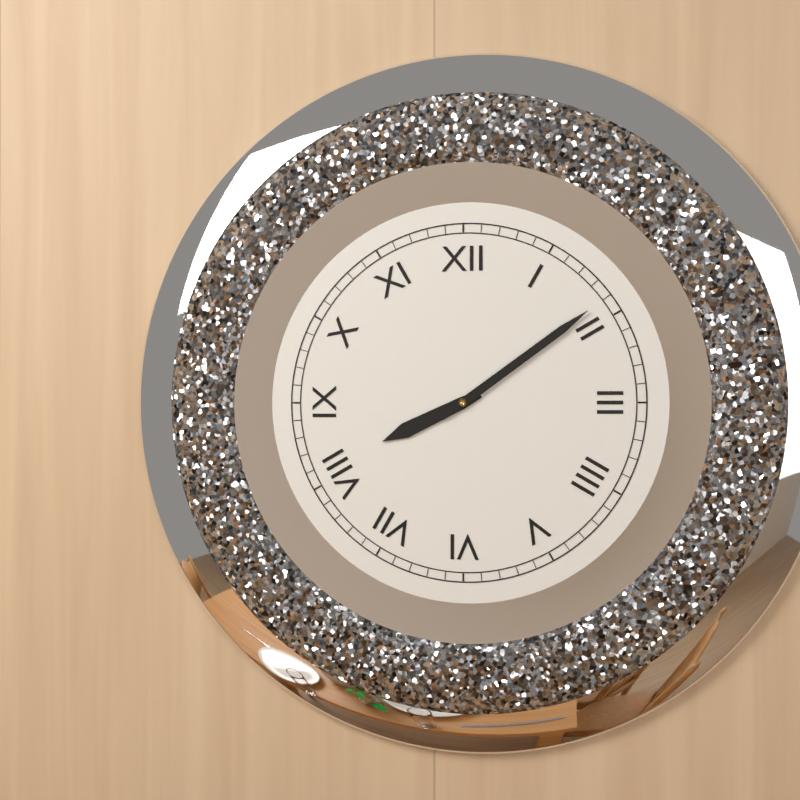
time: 8:09
